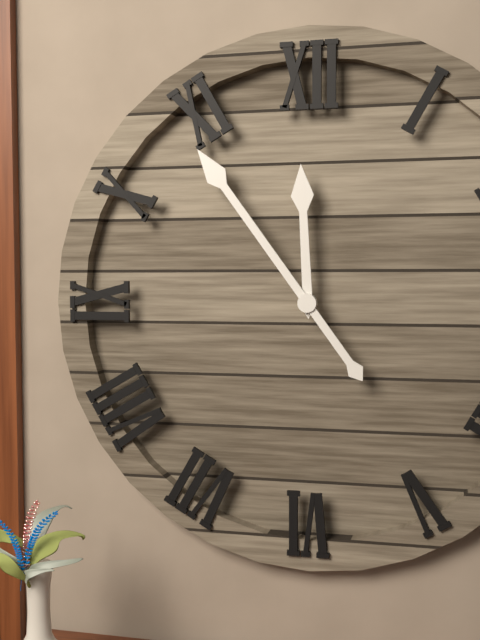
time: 11:54
